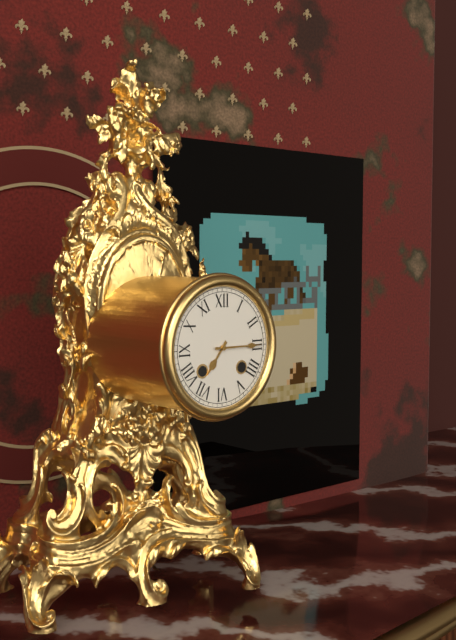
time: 7:15
